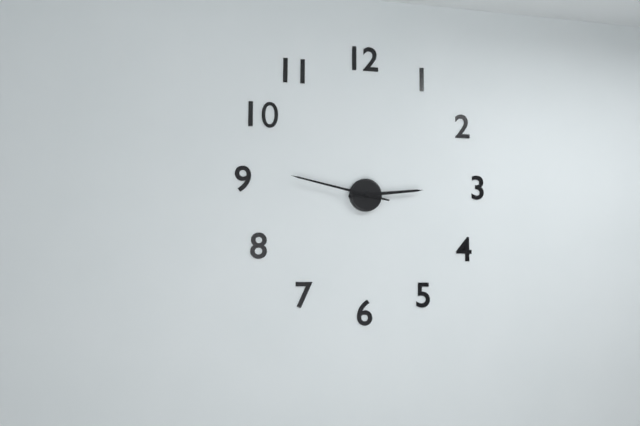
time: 2:47
